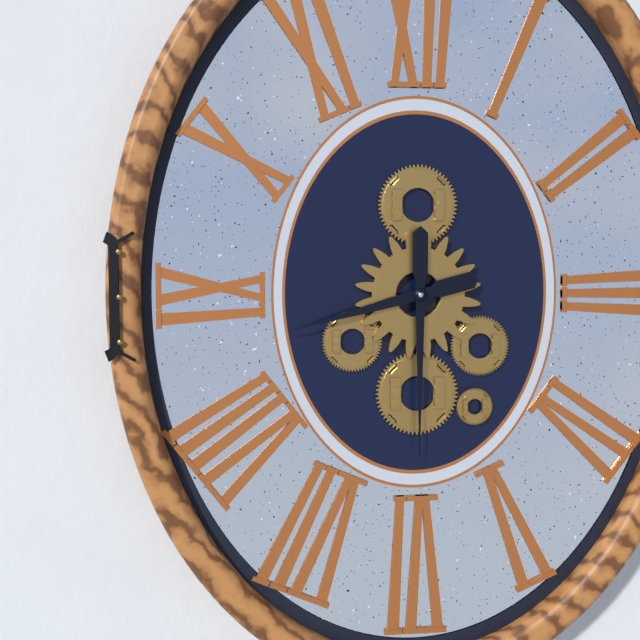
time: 8:30
